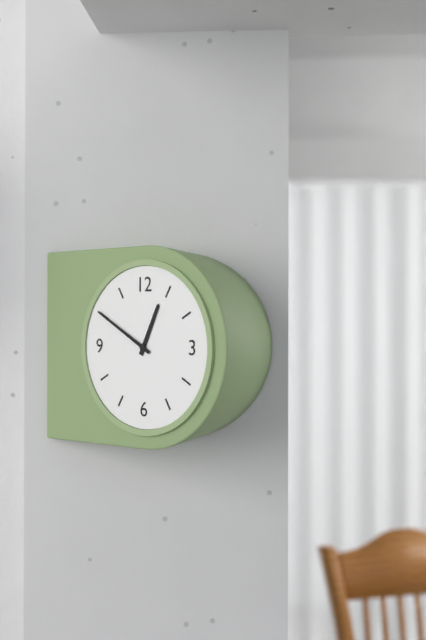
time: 12:50
